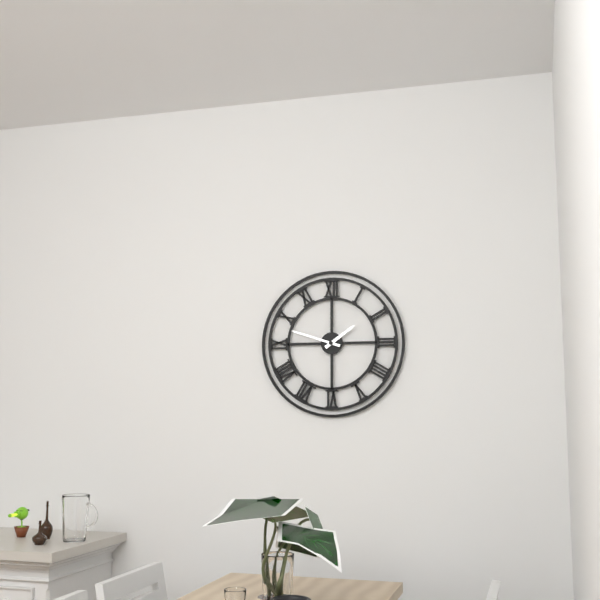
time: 1:48
